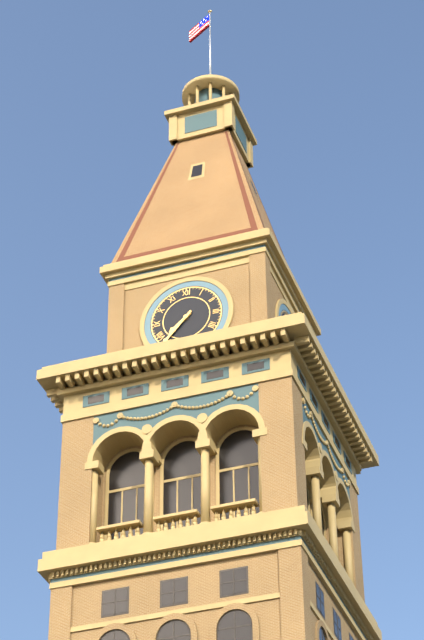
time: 7:37
